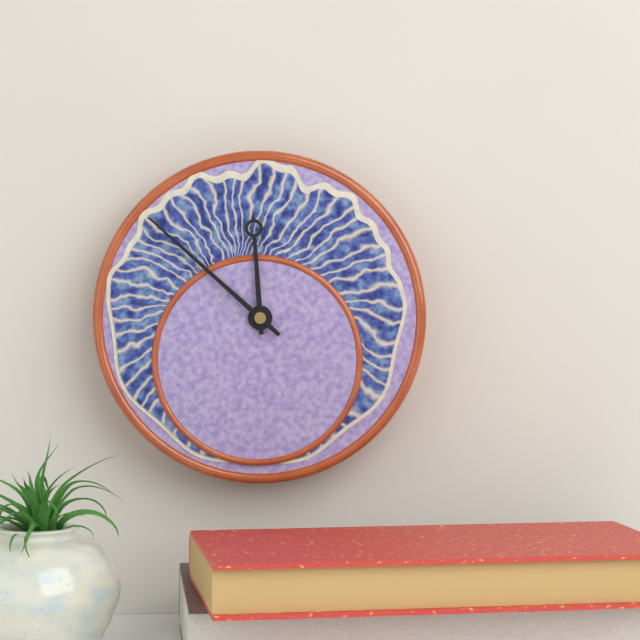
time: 11:52
